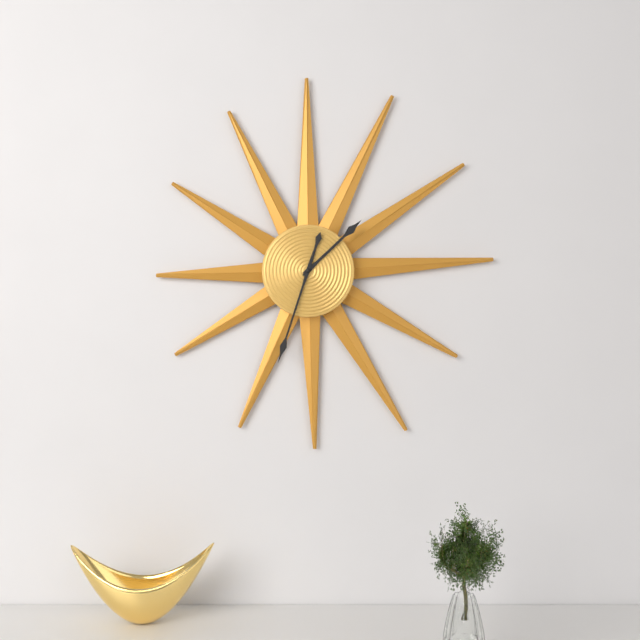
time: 1:33
